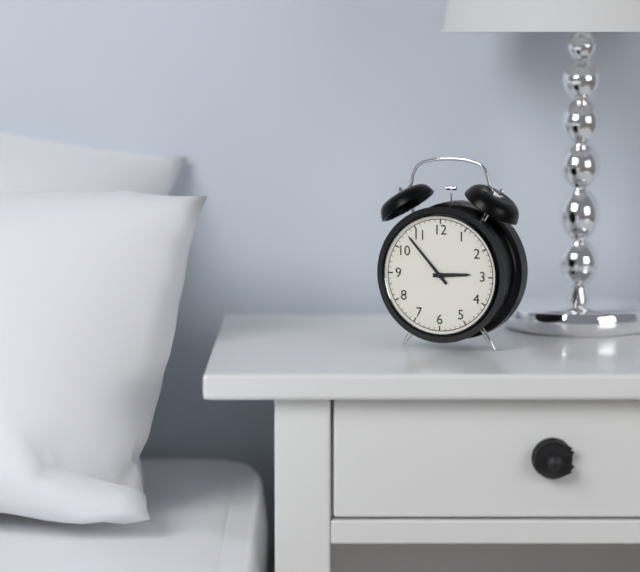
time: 2:53
